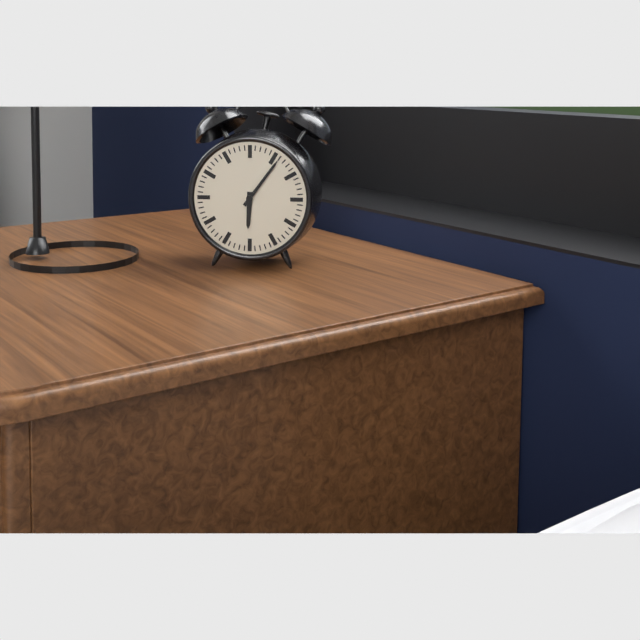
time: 6:06
